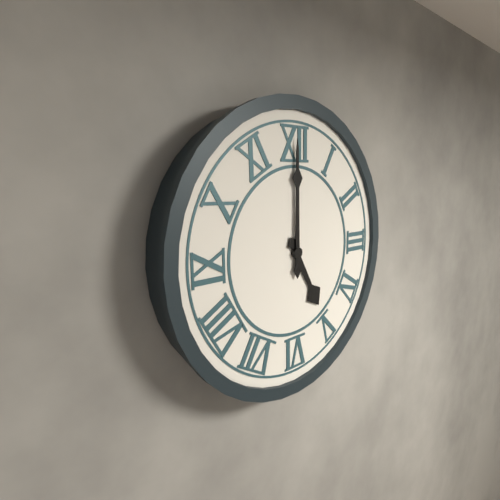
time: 5:00
